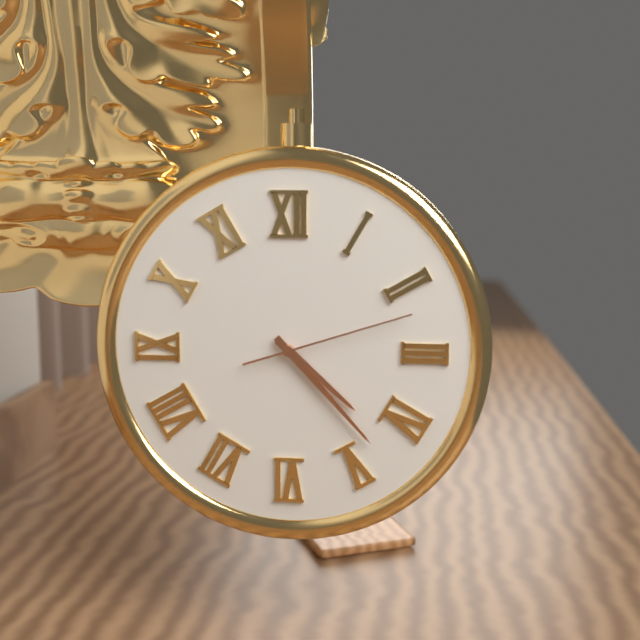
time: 4:23:12
